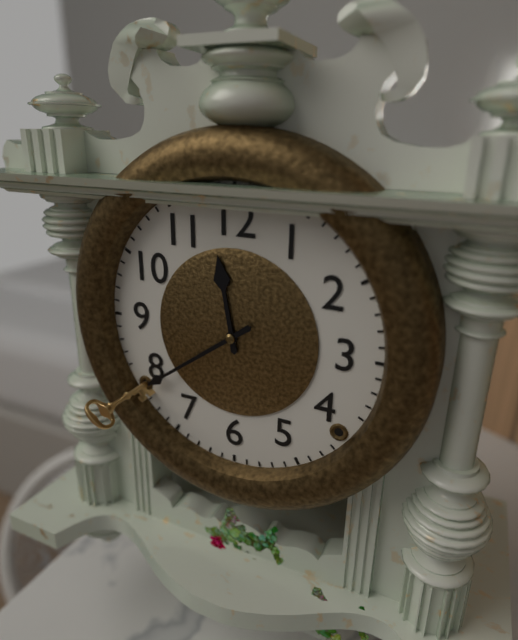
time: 11:39
